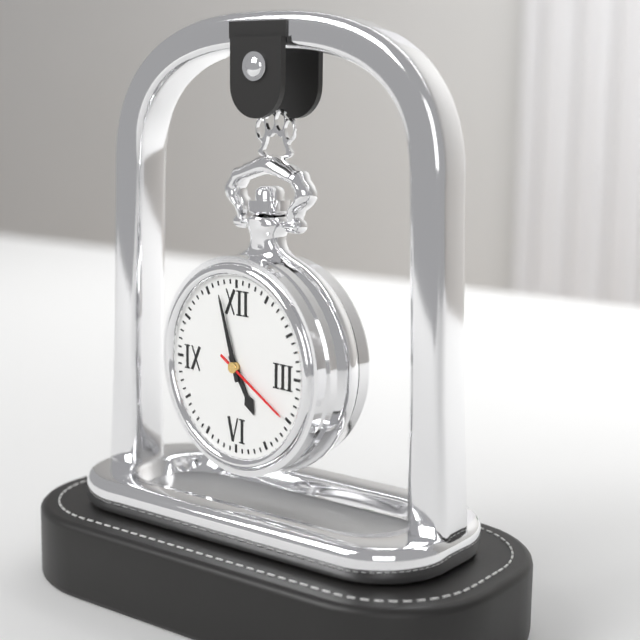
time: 4:57:20
